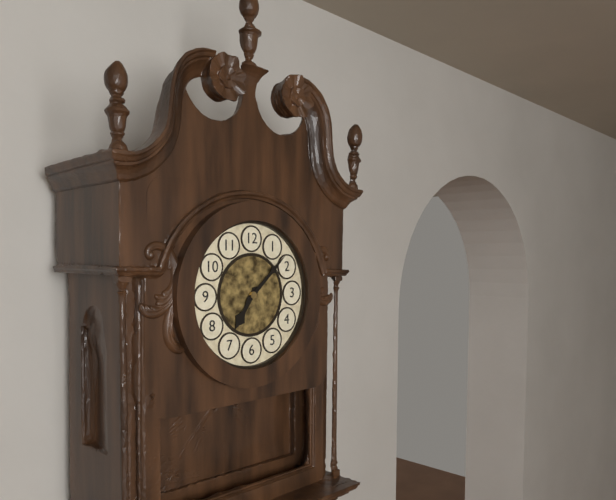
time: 7:08
